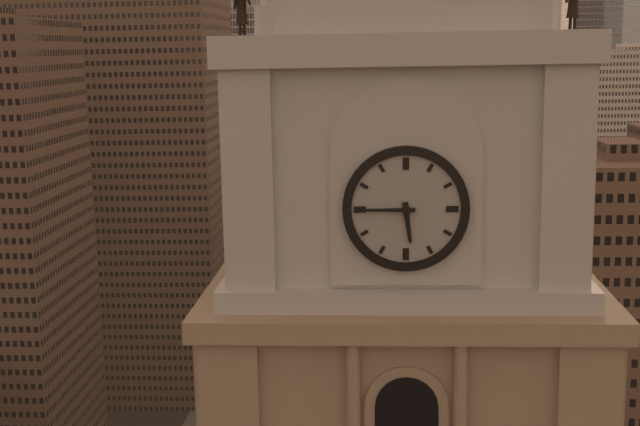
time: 5:45
